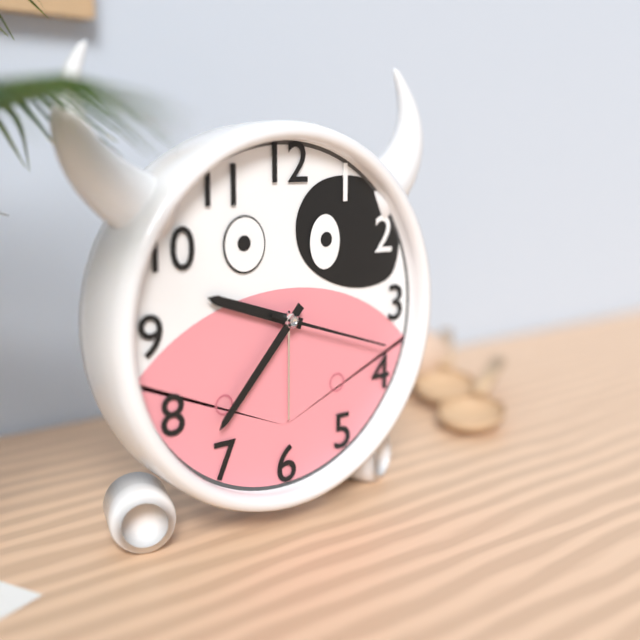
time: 9:37:18
